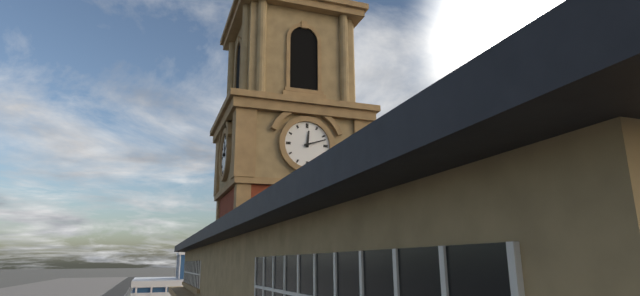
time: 12:12
